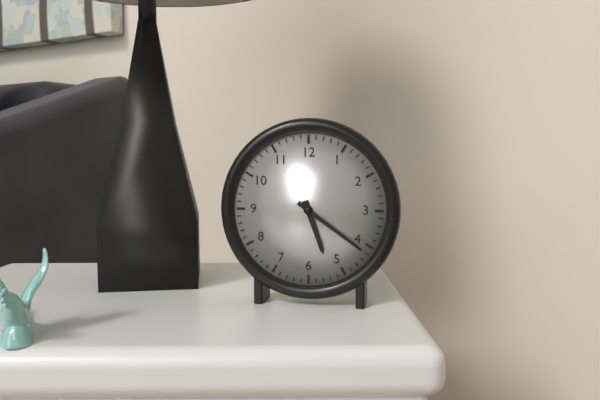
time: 5:21
